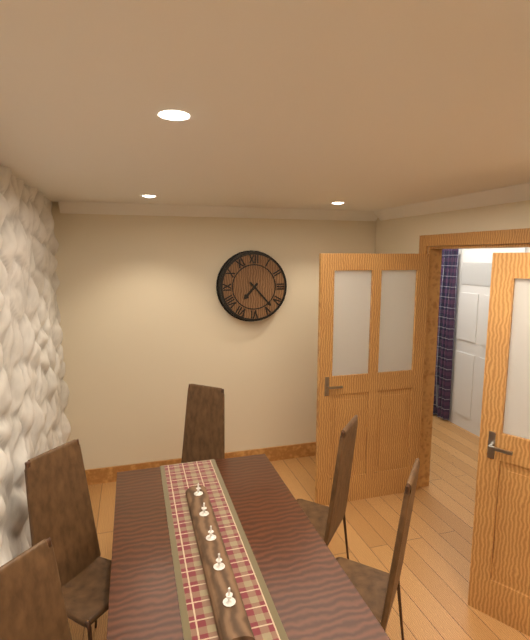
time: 7:23
